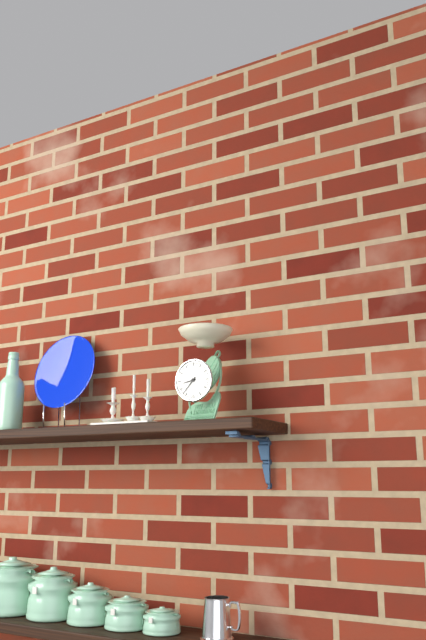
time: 8:37
